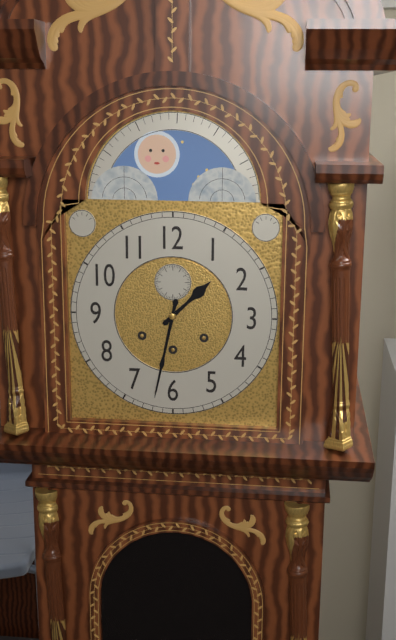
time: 1:32
